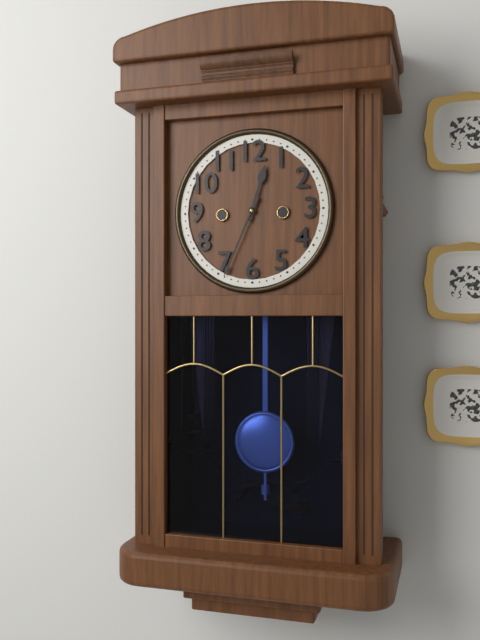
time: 12:34
